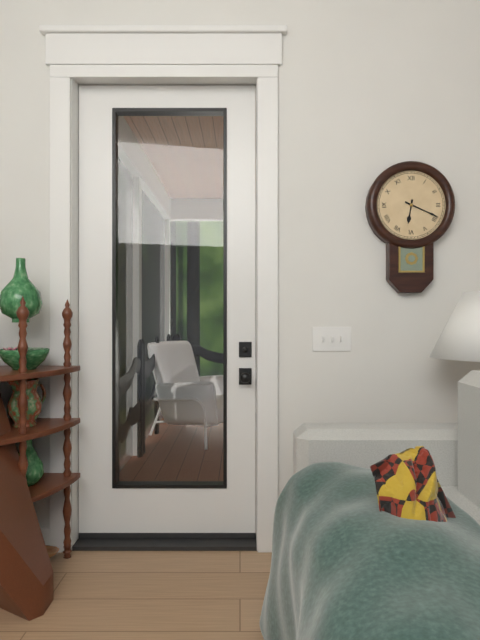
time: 6:19
